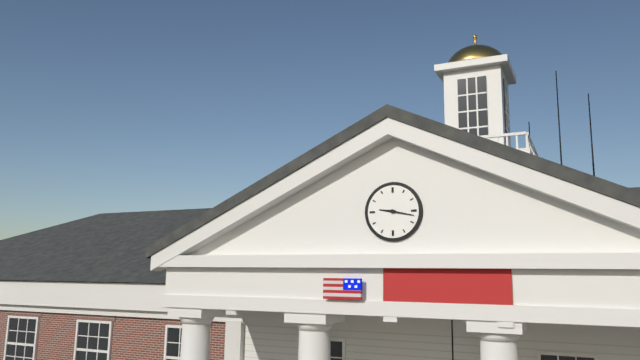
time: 9:17
